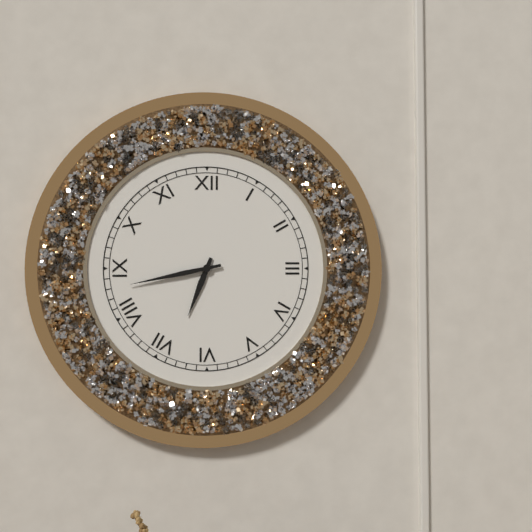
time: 6:43
